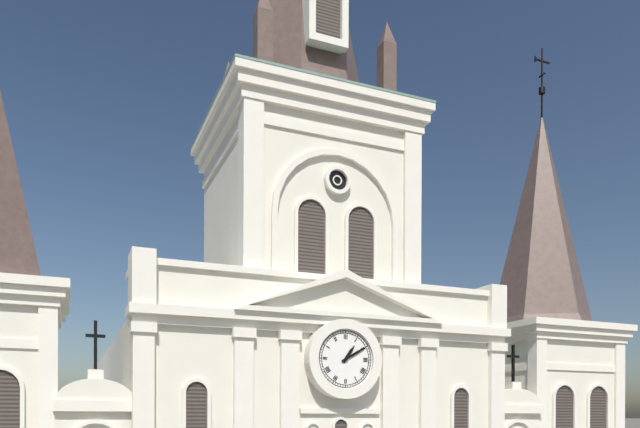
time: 1:10
